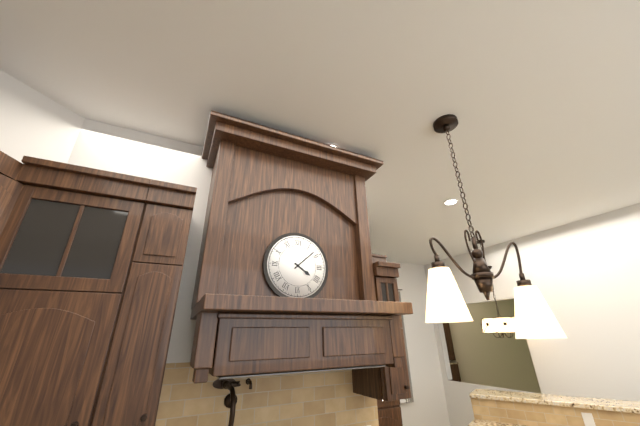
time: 4:08
